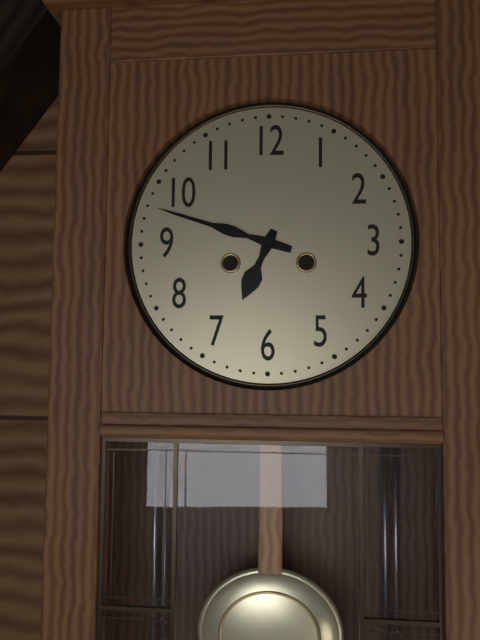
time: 6:48
